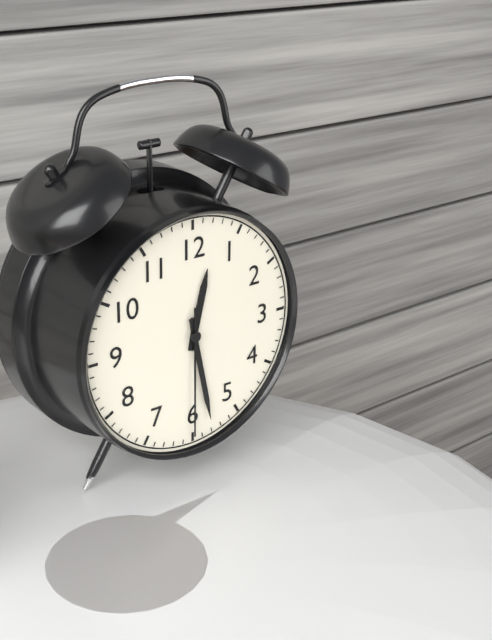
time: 12:28:30
